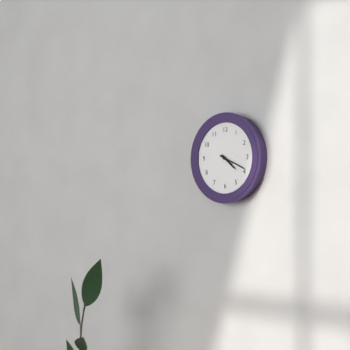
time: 4:19
